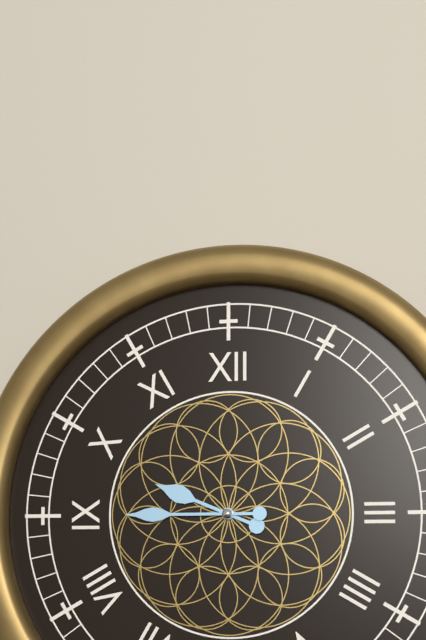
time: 9:45
